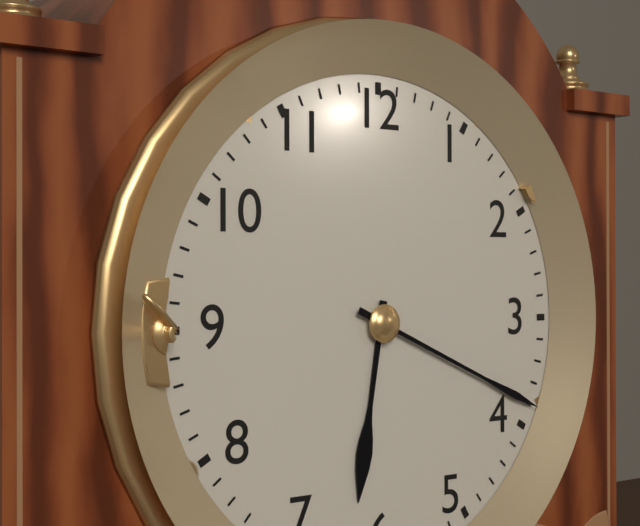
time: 6:19
